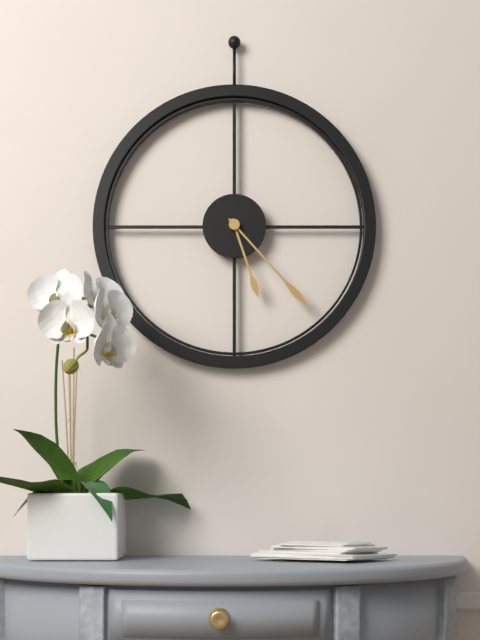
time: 5:23
